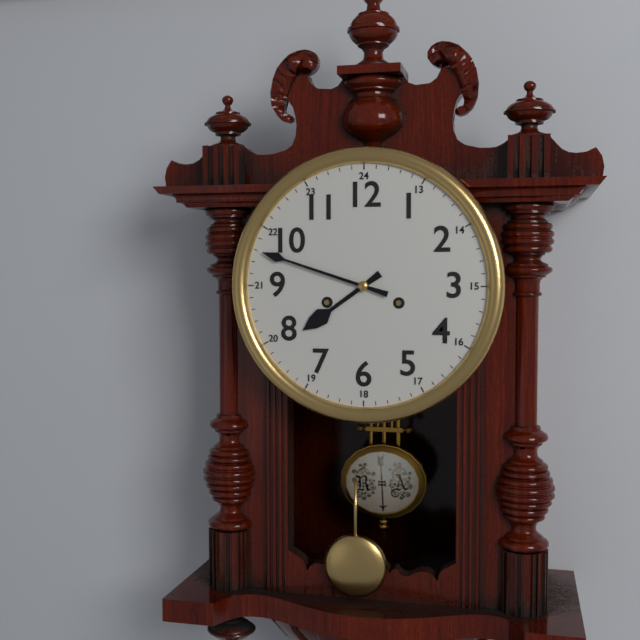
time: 7:48
